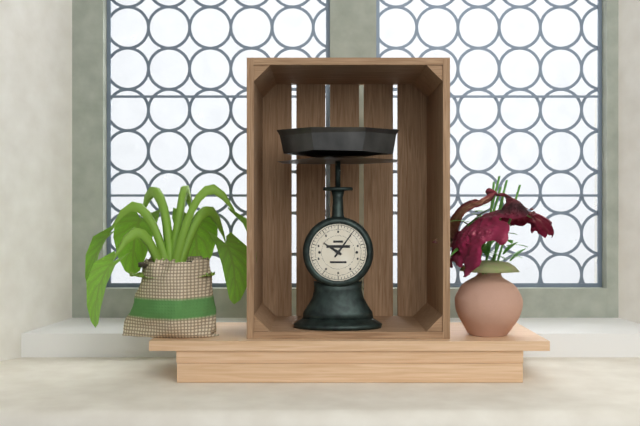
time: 10:06
